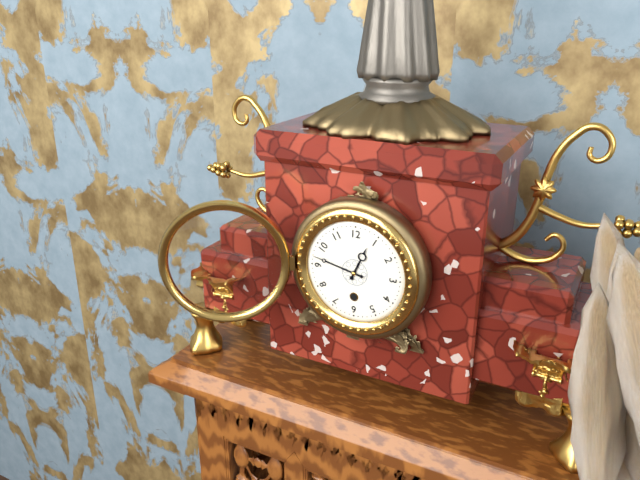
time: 12:47
